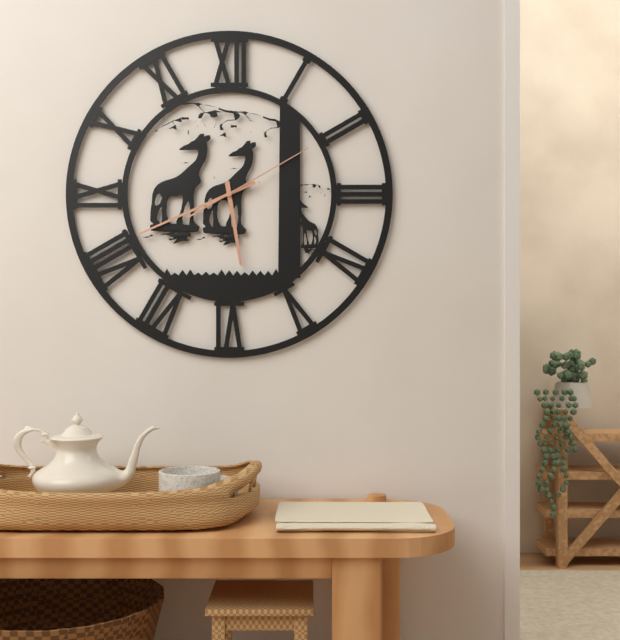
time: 5:41:10
